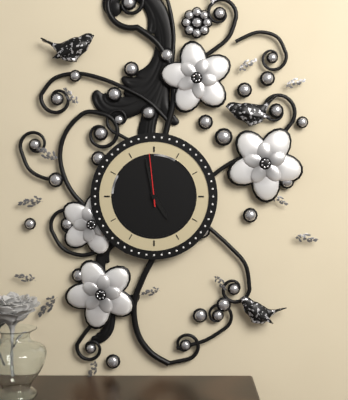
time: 4:58:59
